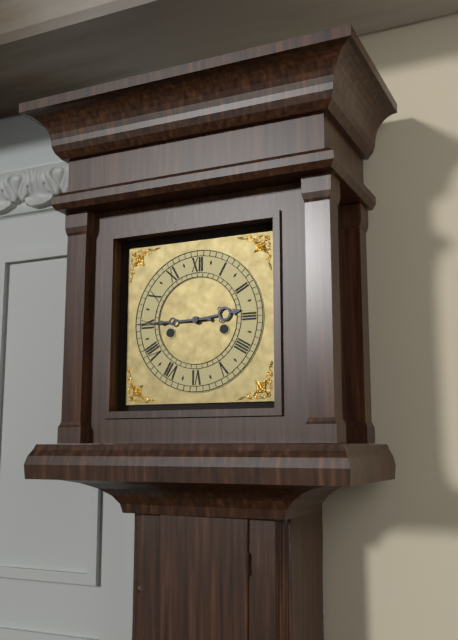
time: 2:45
